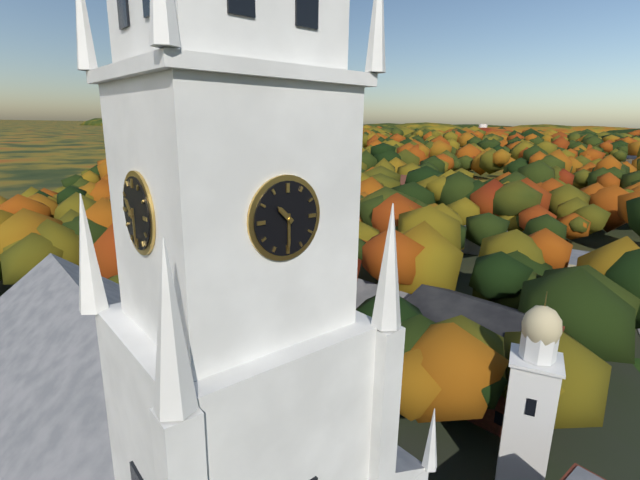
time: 10:30
